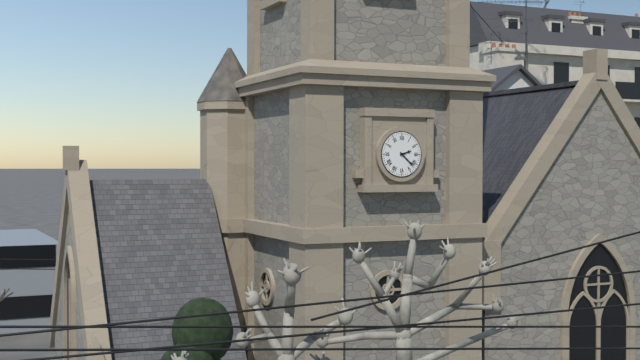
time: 2:22
